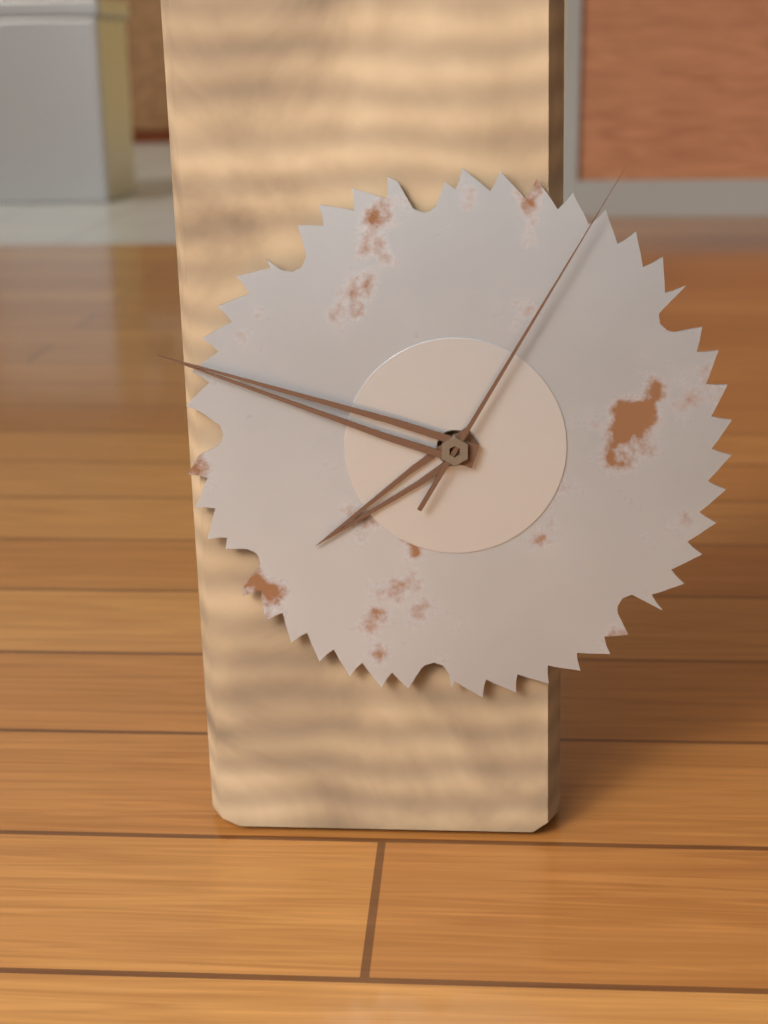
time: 7:48:05
